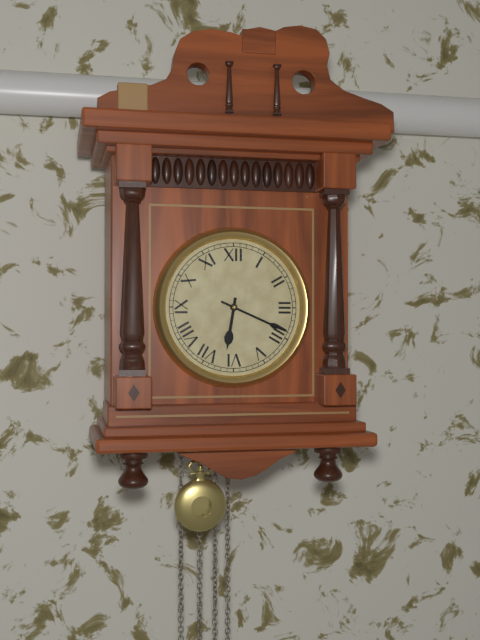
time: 6:19
